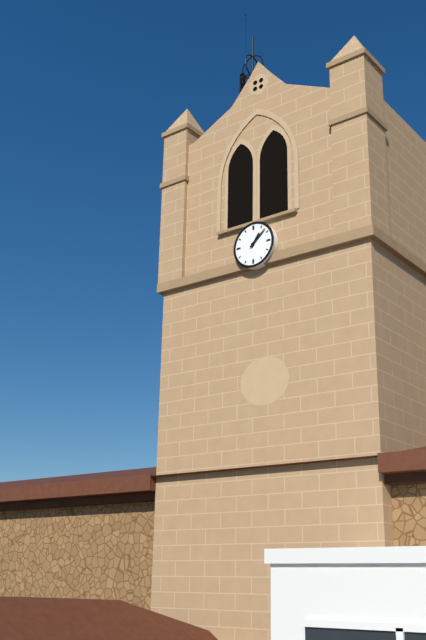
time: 1:08
